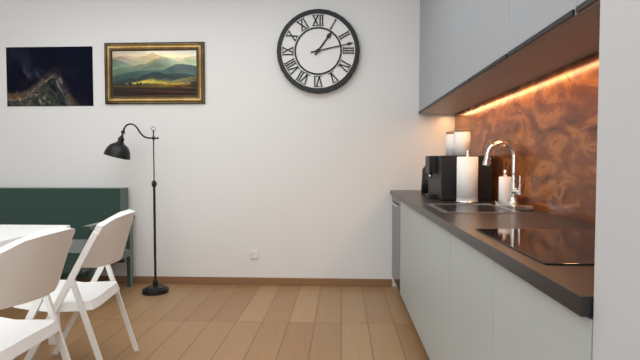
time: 1:13
